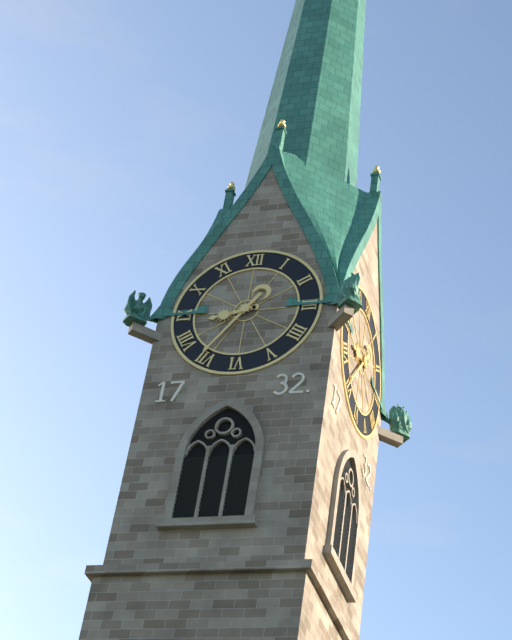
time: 8:36
